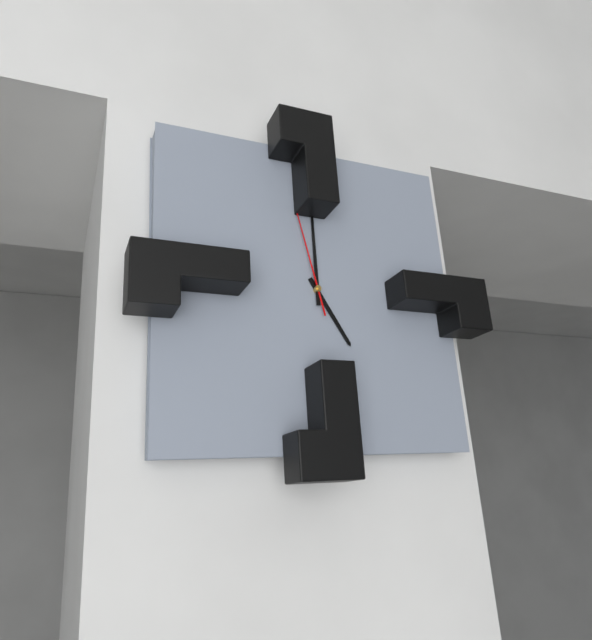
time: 5:00:58
